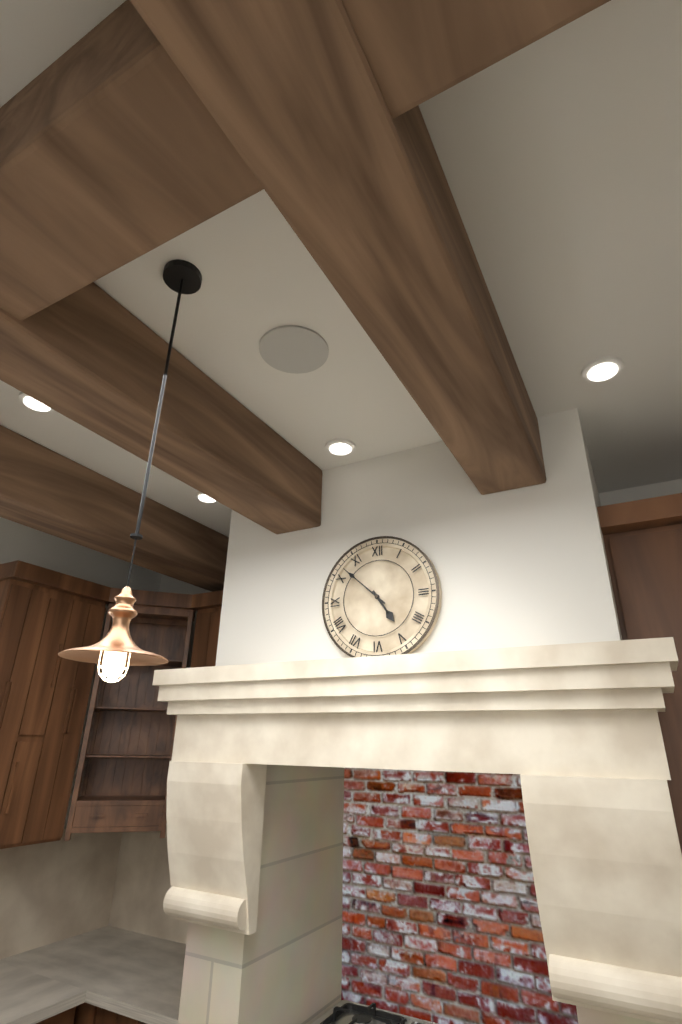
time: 4:52
